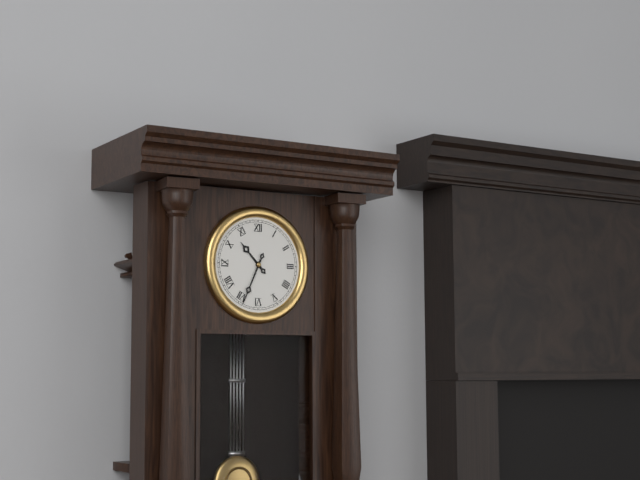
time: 10:34
